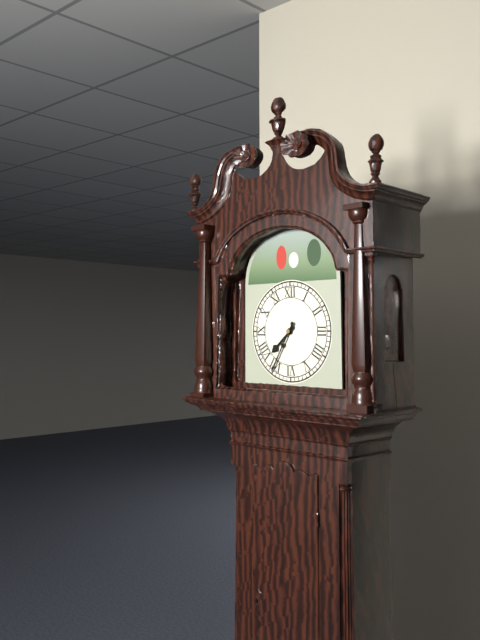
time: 7:35
